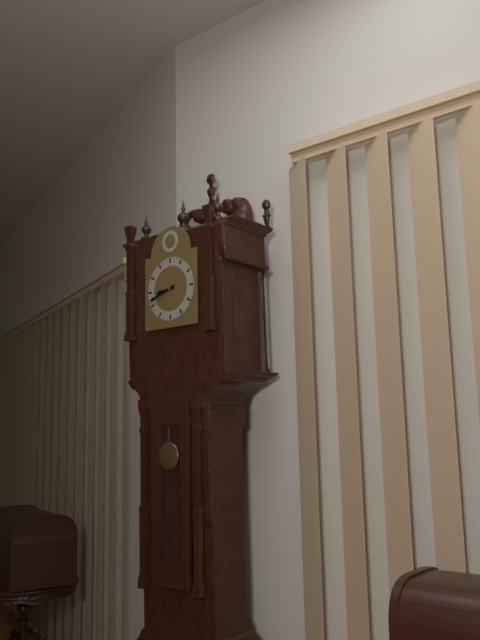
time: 8:42
